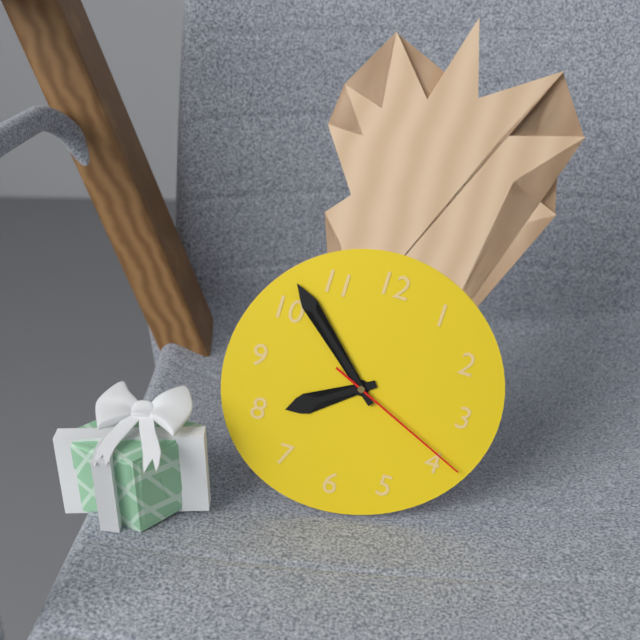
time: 7:52:19
